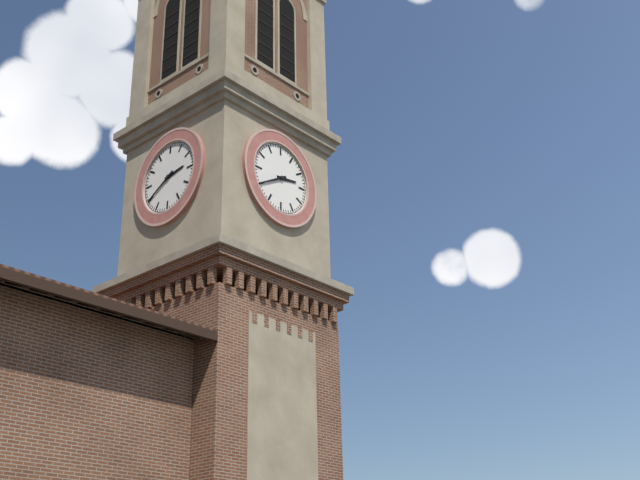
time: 2:40
